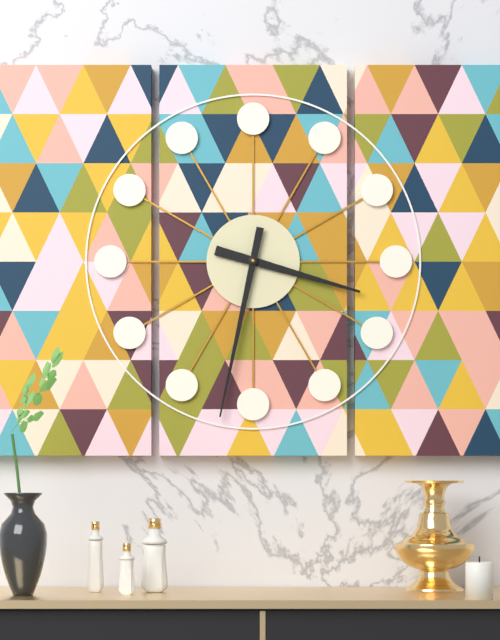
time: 3:32
